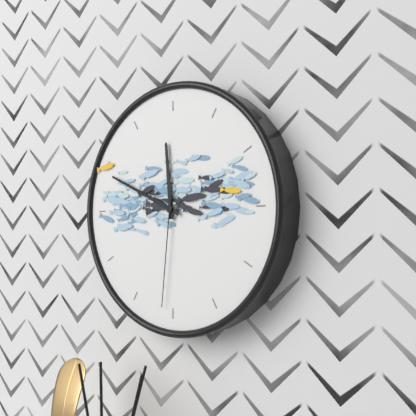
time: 11:49:31
